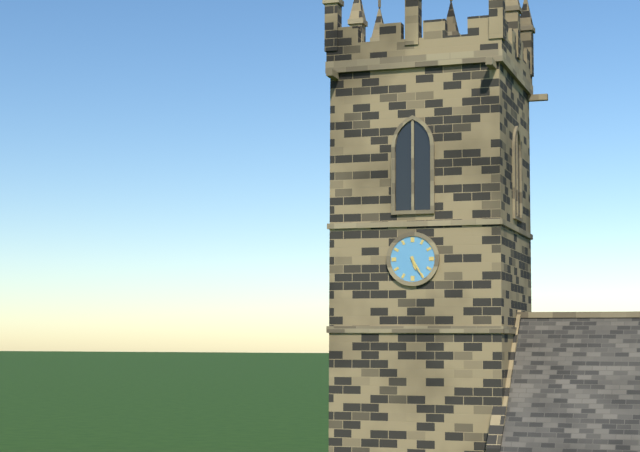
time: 5:25
